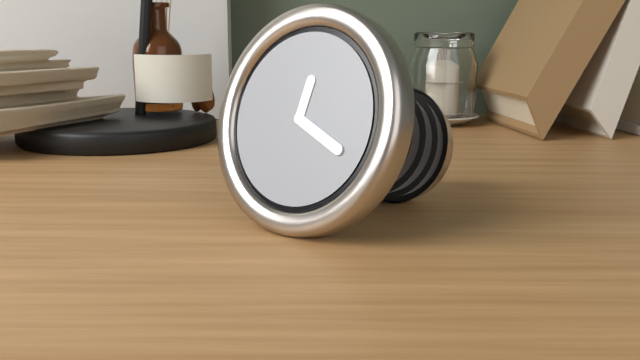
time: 12:19
